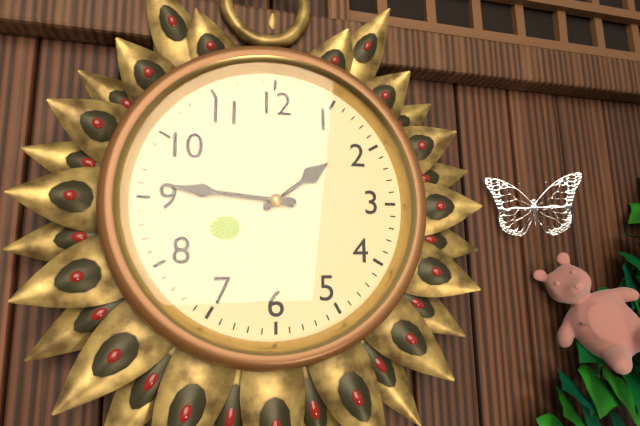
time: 1:46
